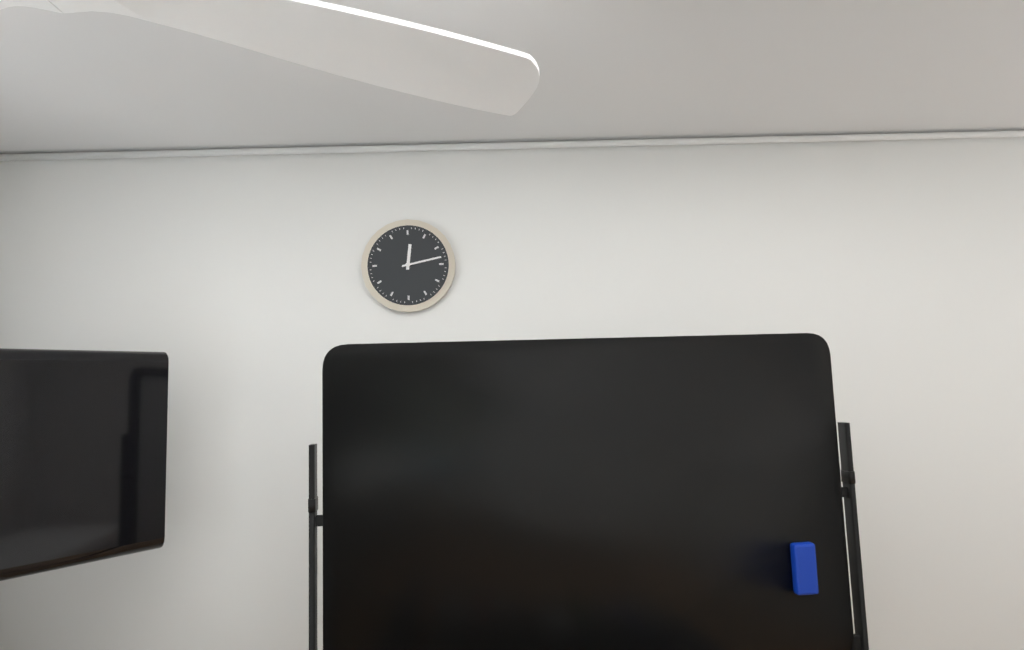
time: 12:13
